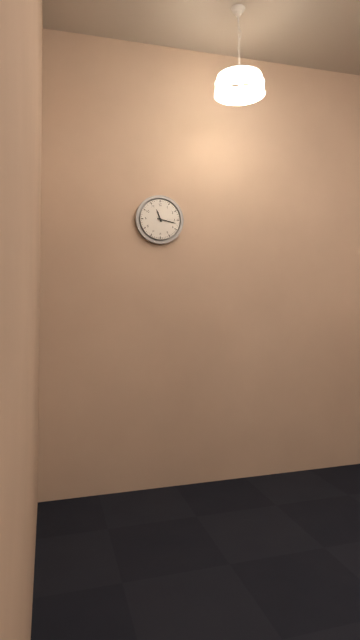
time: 11:17
